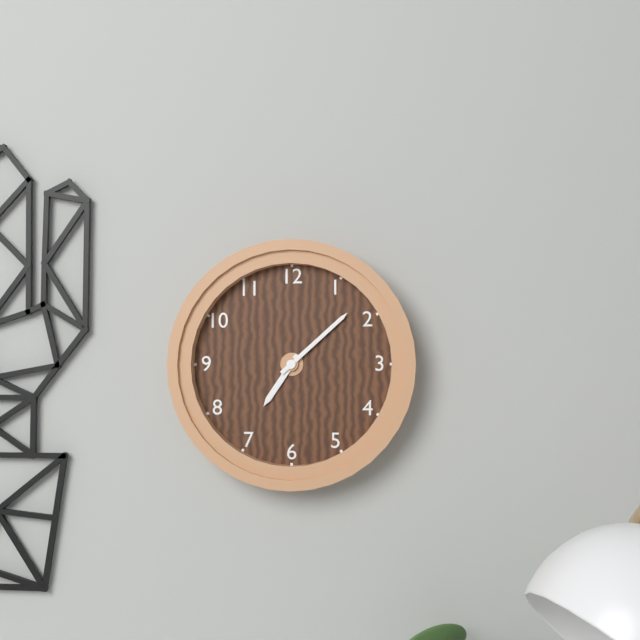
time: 7:08
